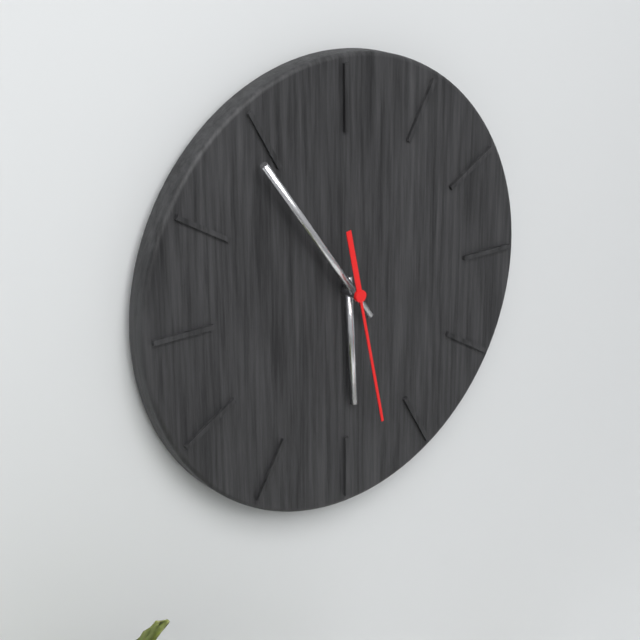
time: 5:54:28
